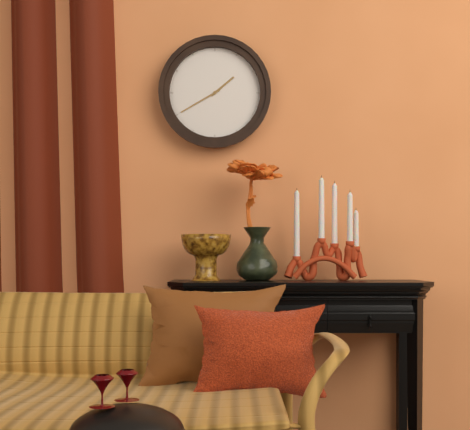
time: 1:40
